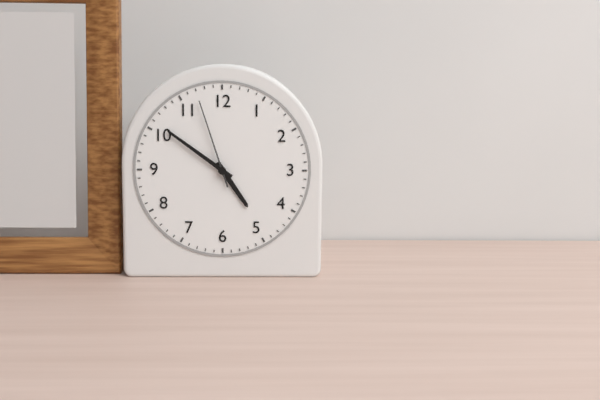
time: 4:51:57
